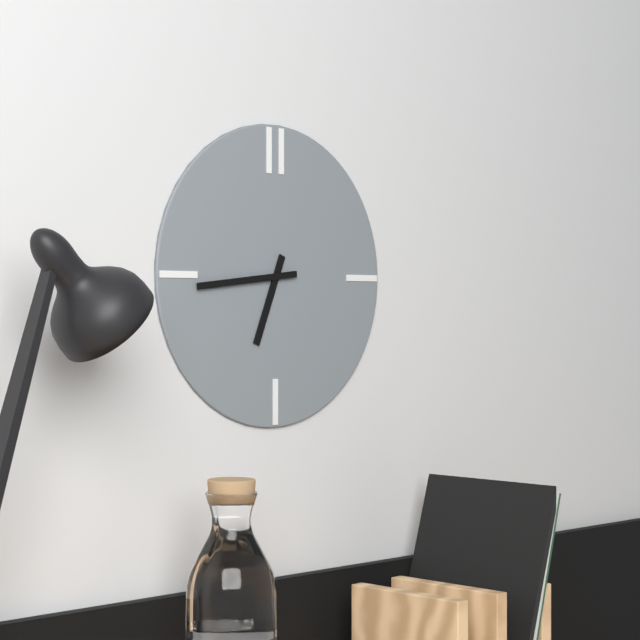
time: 6:44
